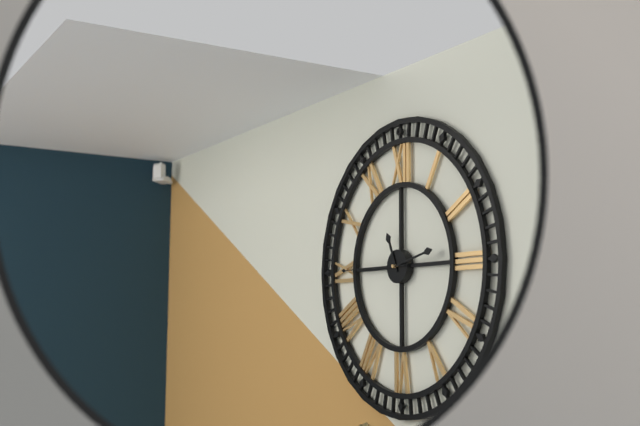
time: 11:13:45
